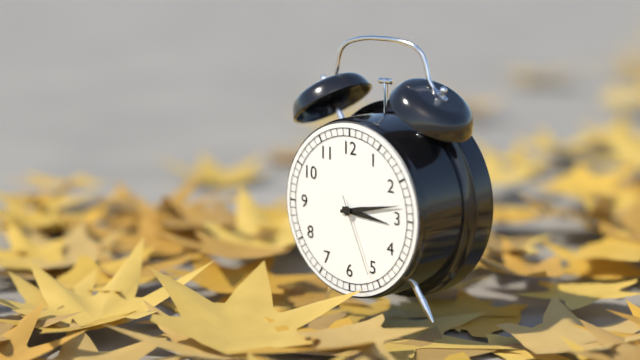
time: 3:13:26
